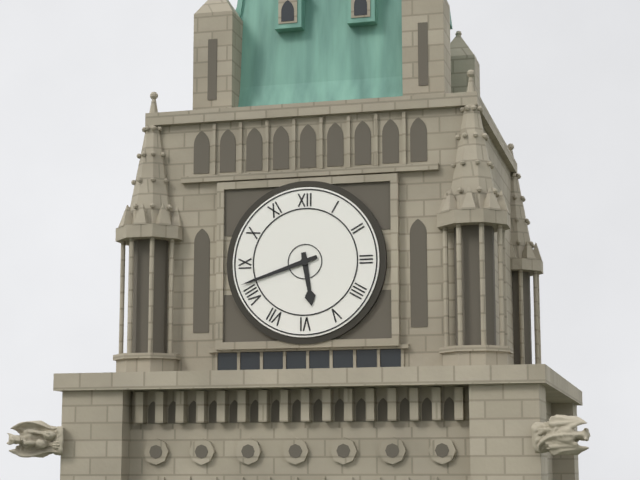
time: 5:42
